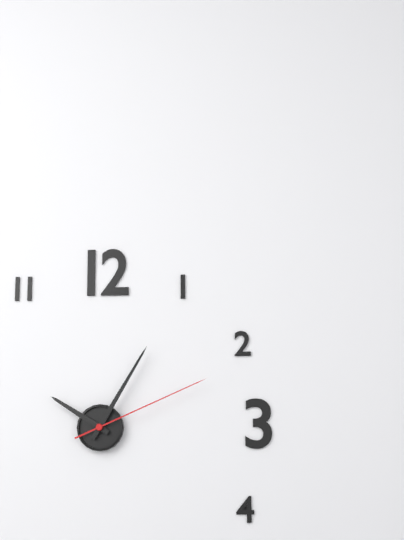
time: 10:05:11
